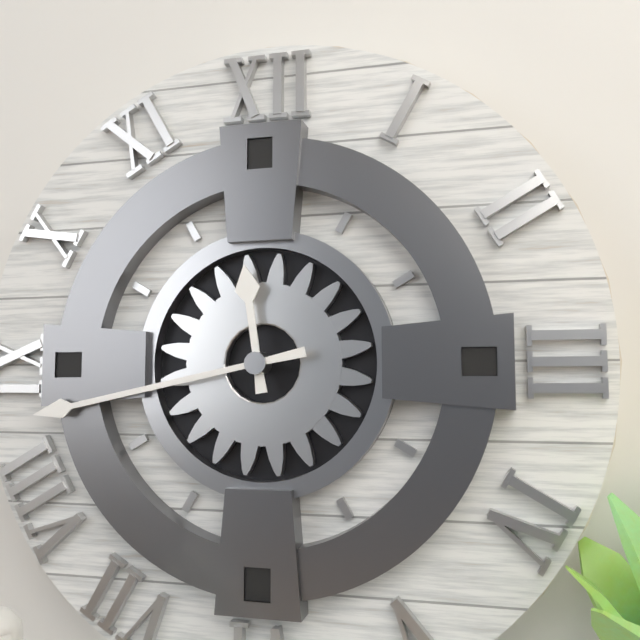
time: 11:43
